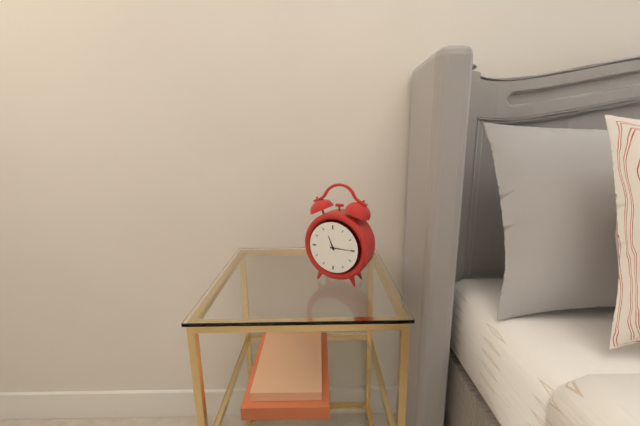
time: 11:15
